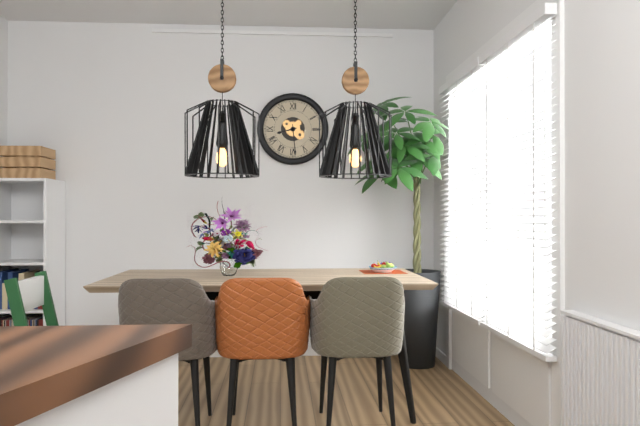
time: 8:29
